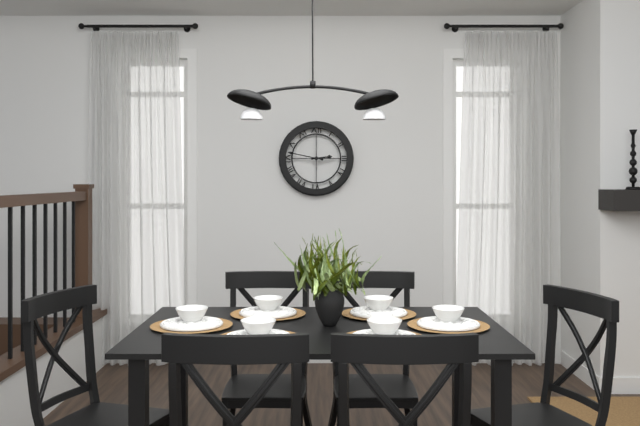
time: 2:47
